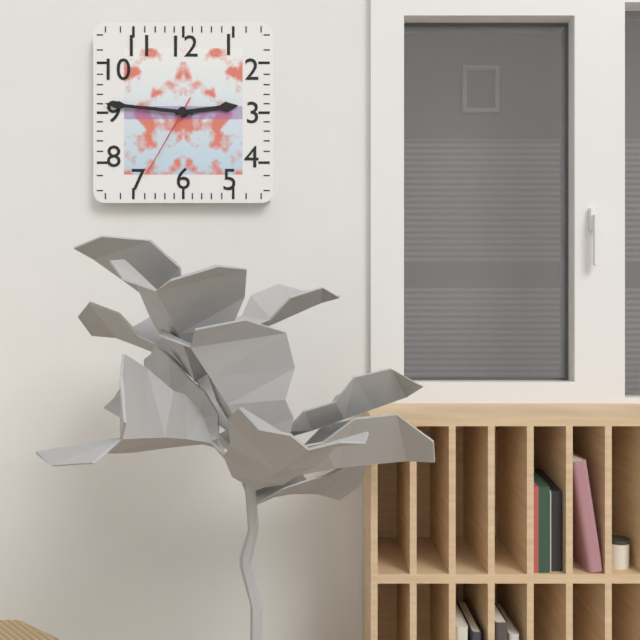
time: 2:46:35
